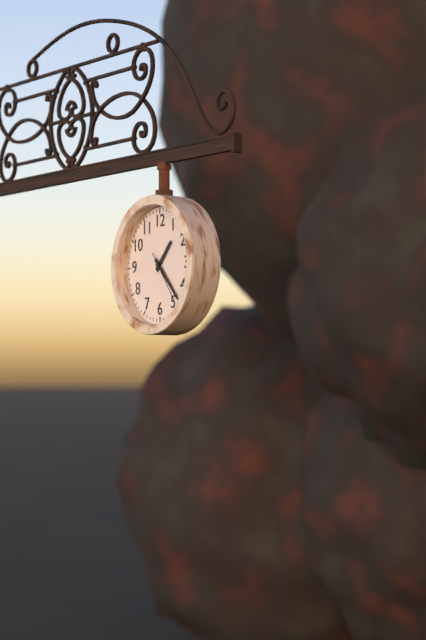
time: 1:23
